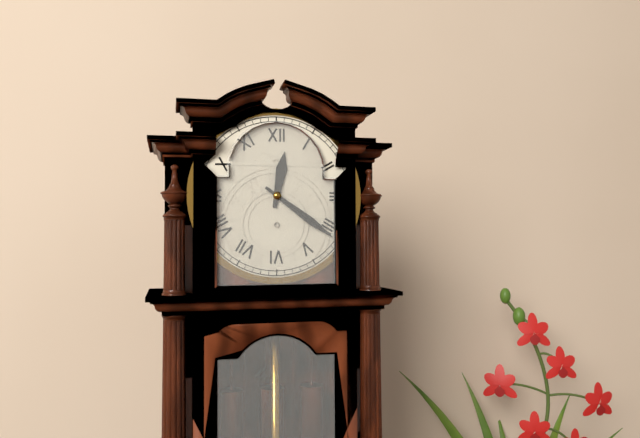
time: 12:21
